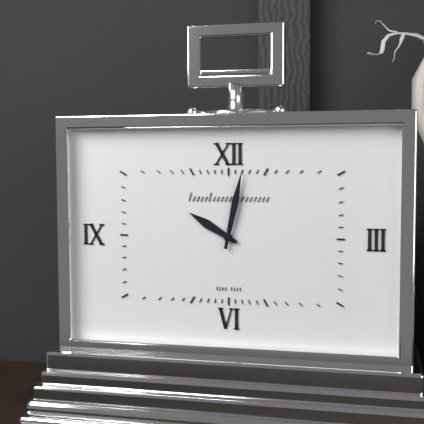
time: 10:02
